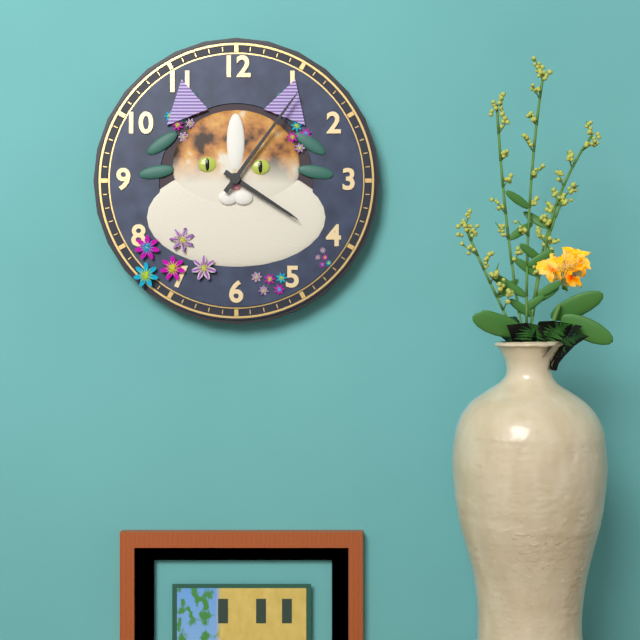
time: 4:06
